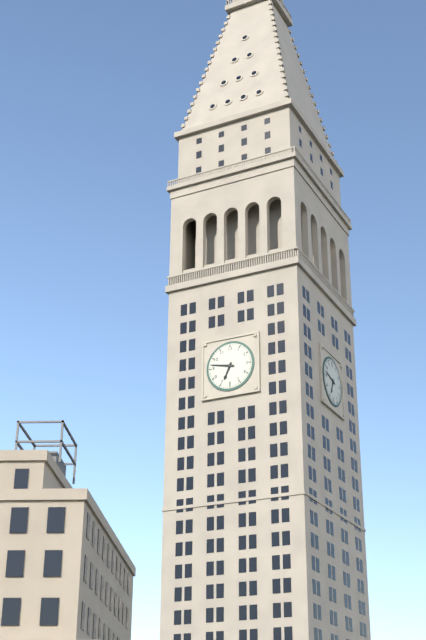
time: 6:47
